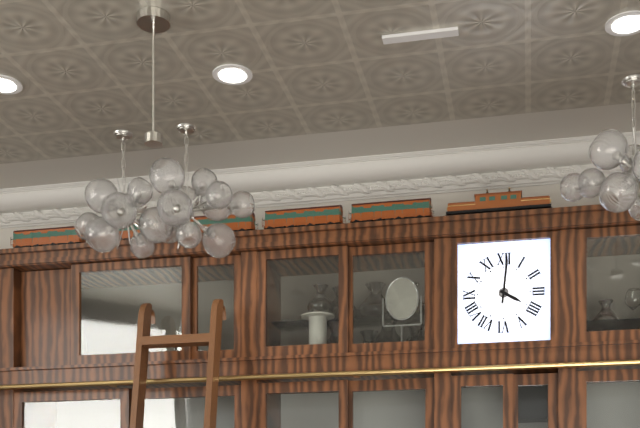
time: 4:01
